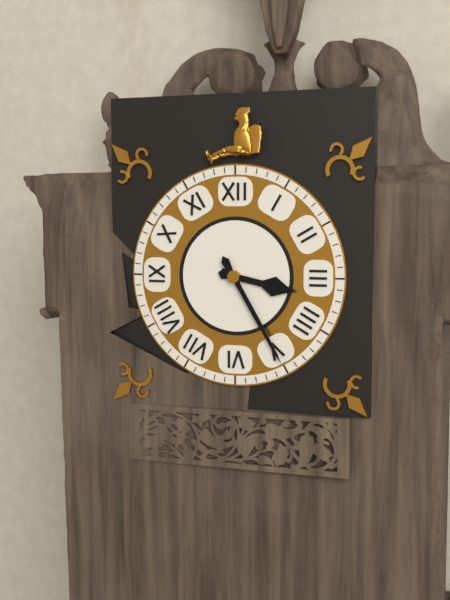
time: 3:25
